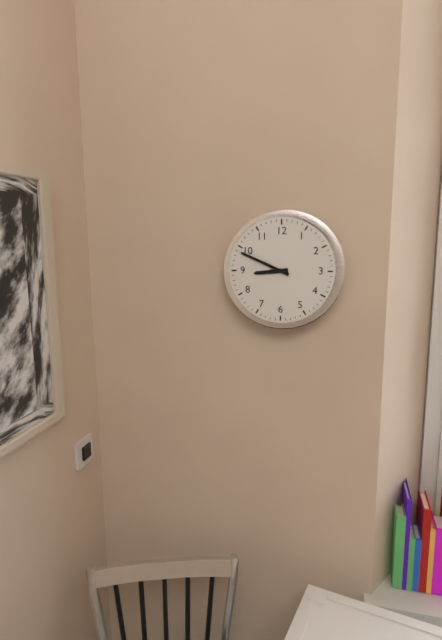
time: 8:49
